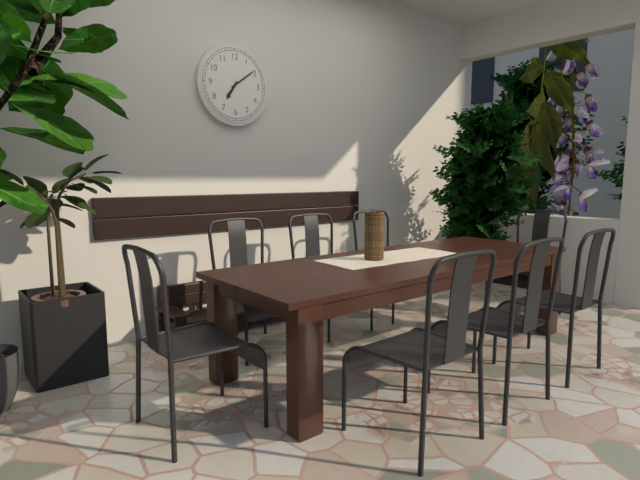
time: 7:09
